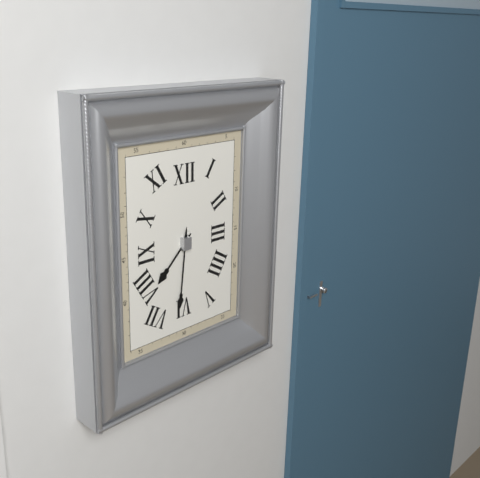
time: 7:31
